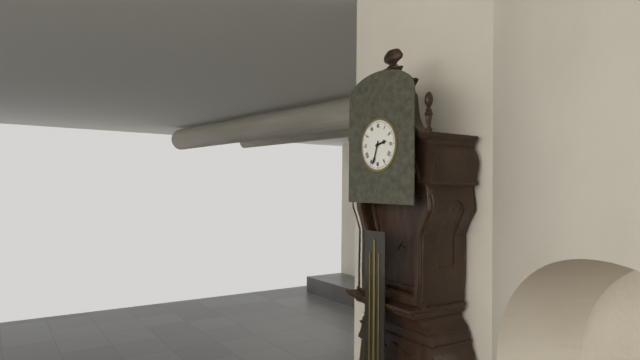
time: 2:33
